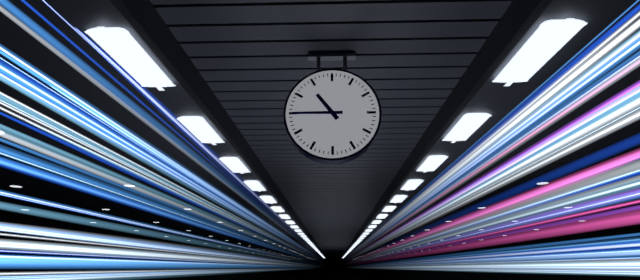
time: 10:45
